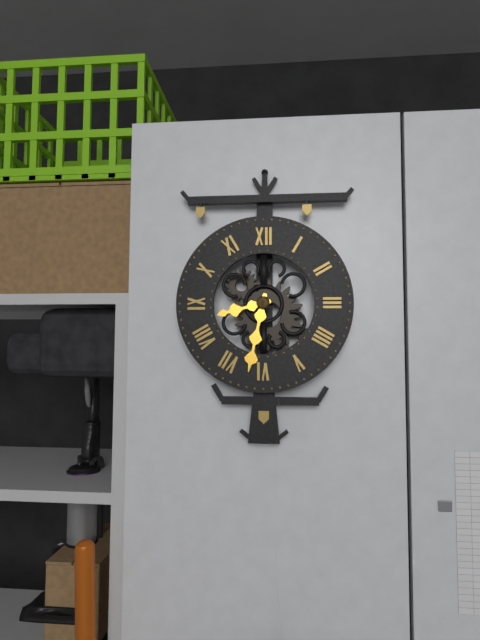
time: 8:32
